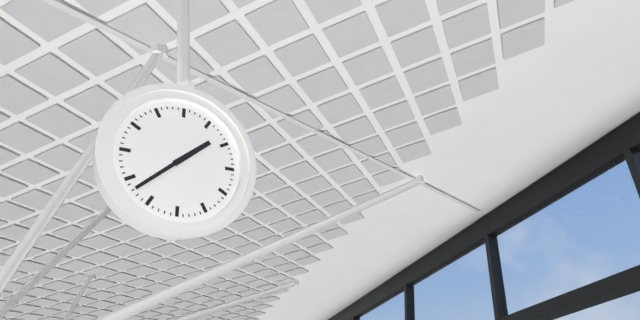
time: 1:38
